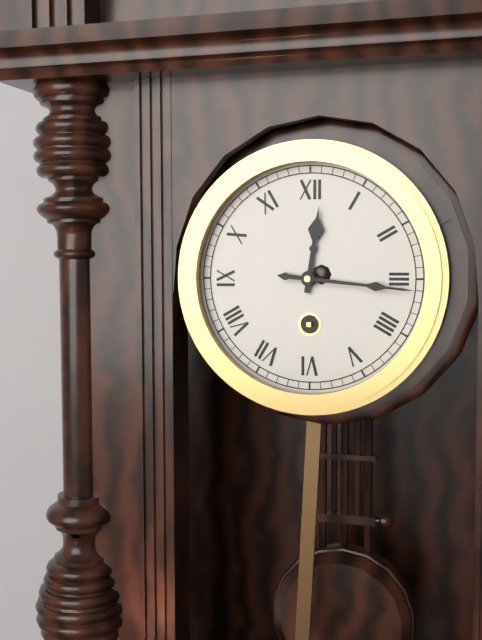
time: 12:16
